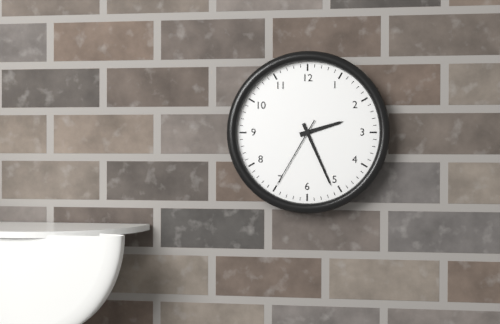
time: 2:26:35
